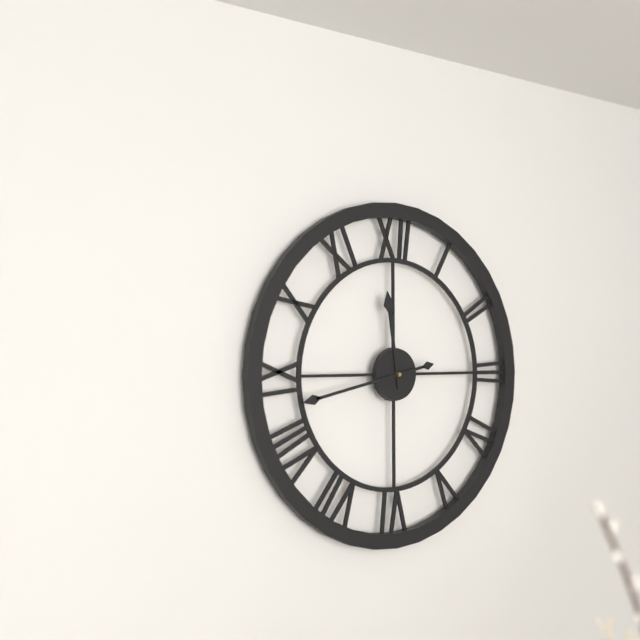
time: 11:43
